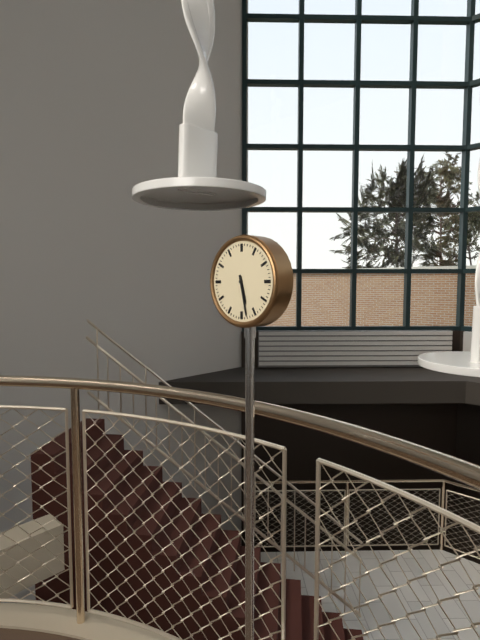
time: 5:28
